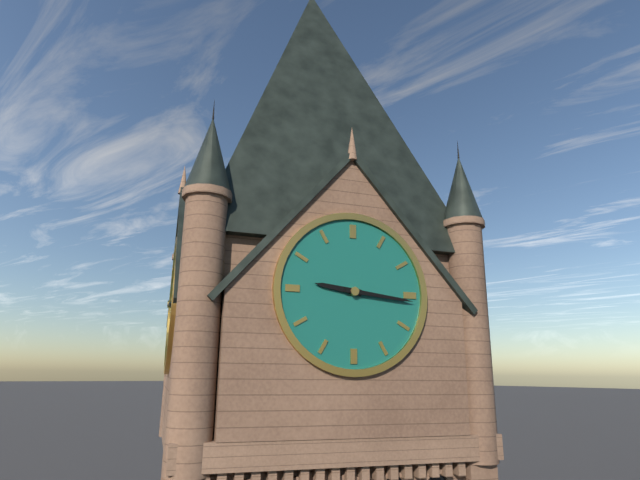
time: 9:16
